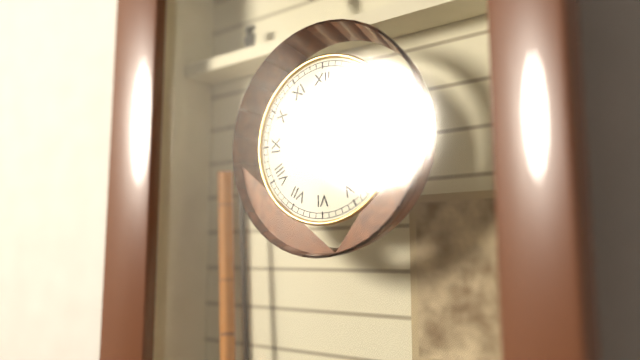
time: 1:23
